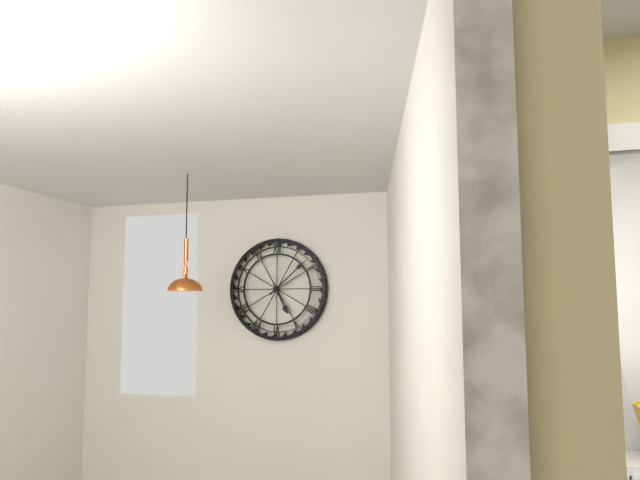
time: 5:08
